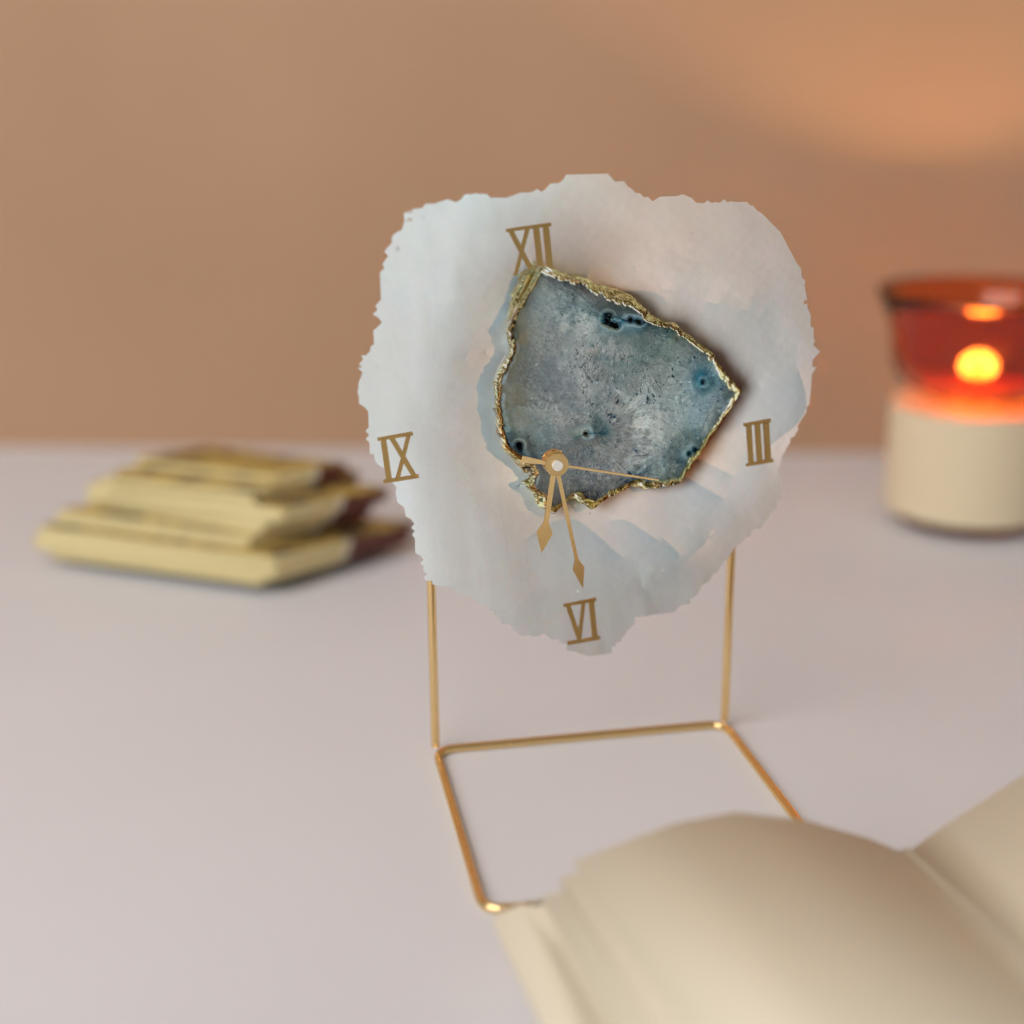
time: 6:29:18
